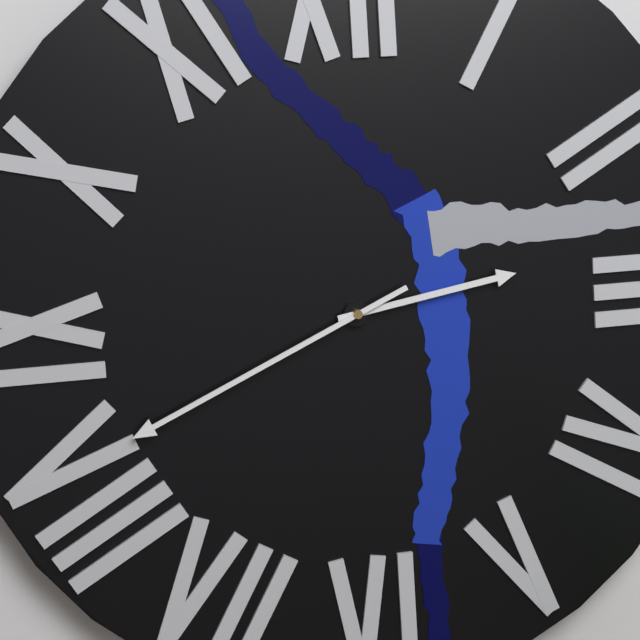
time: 2:41
